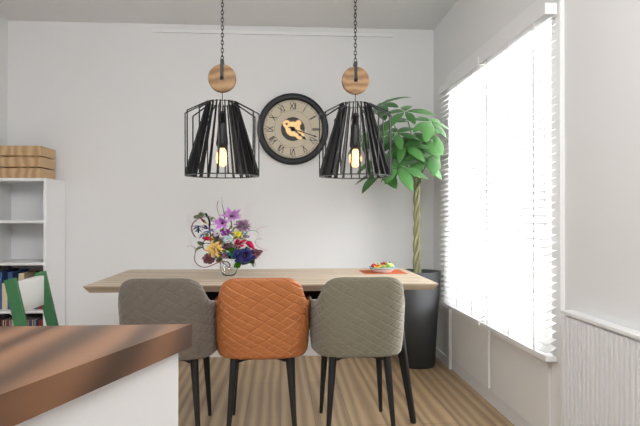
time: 4:18
